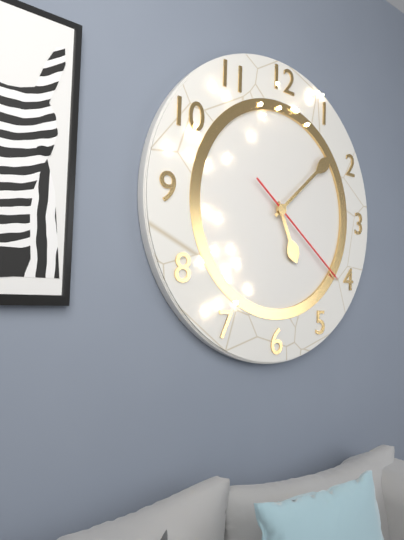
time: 5:08:21
